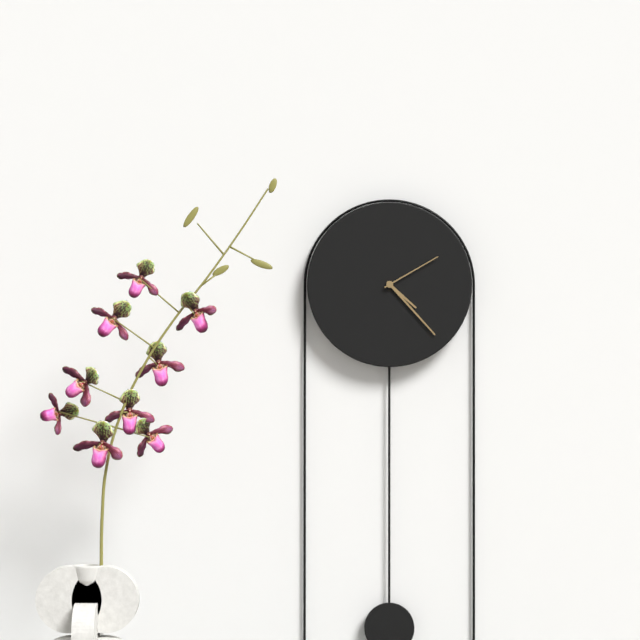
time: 4:23:10
